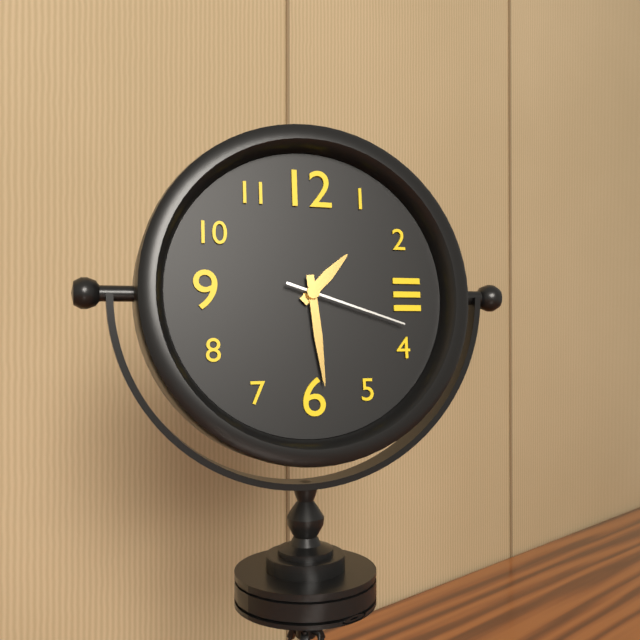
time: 1:29:18
